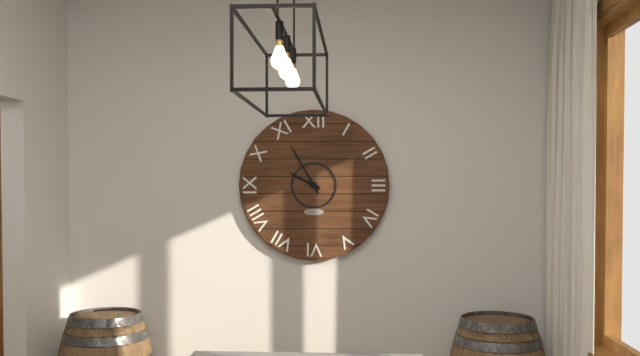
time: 9:55
